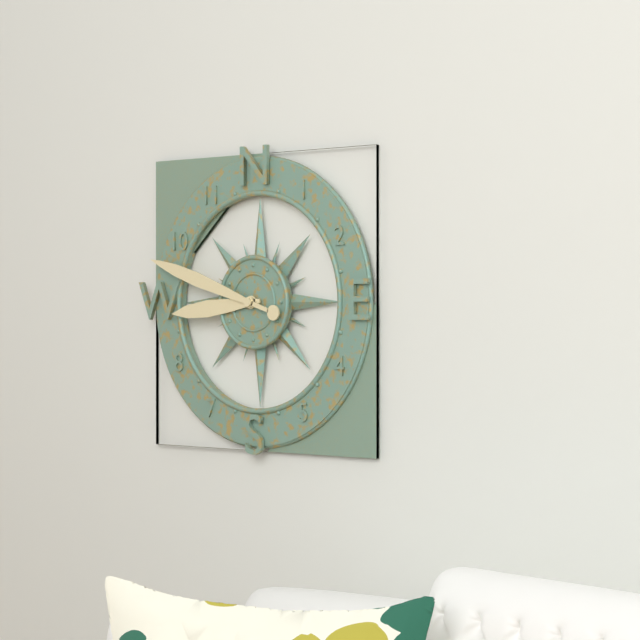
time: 8:48
